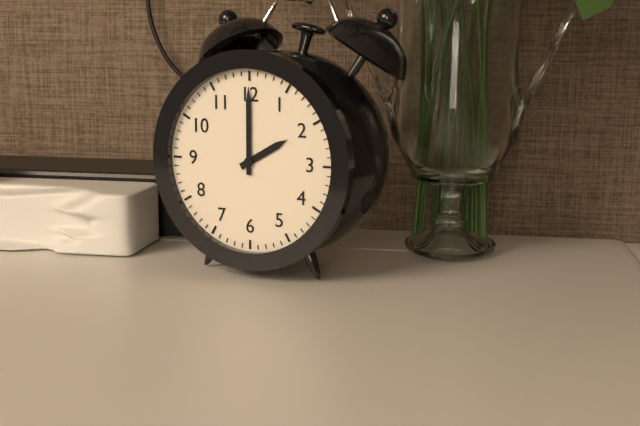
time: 2:00
